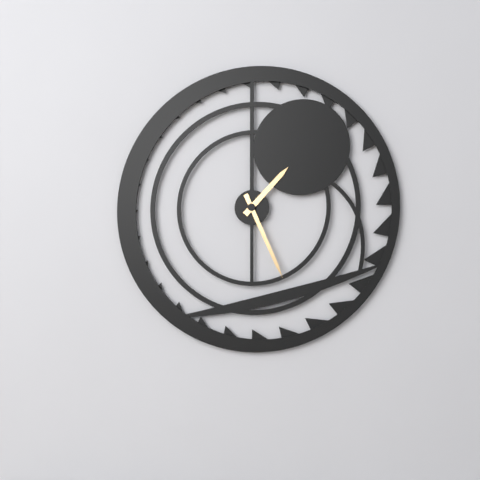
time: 1:26
